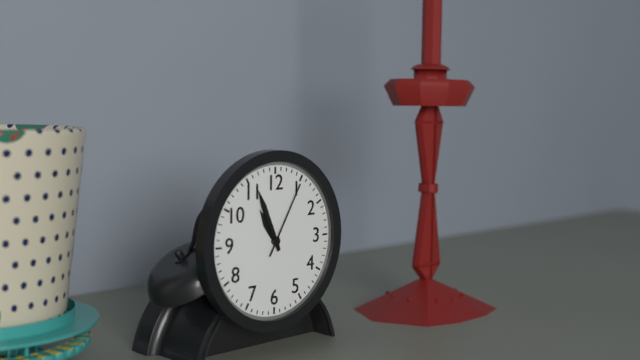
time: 10:56:05
